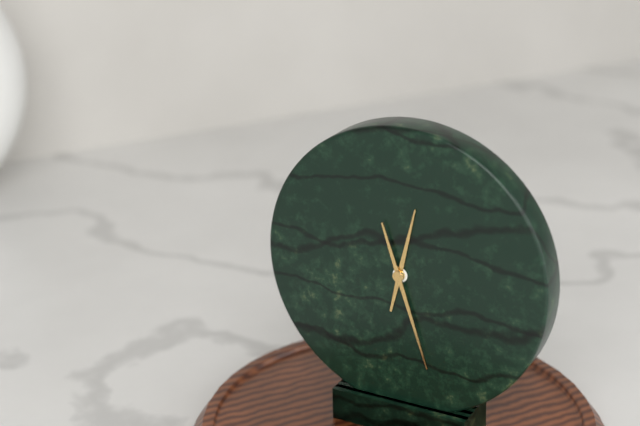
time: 12:27
